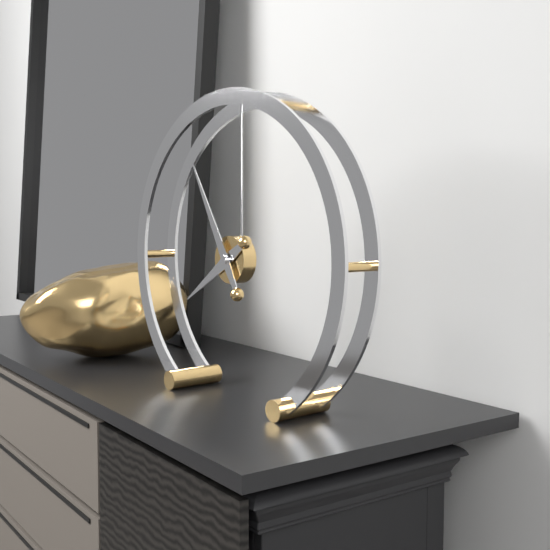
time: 7:55
